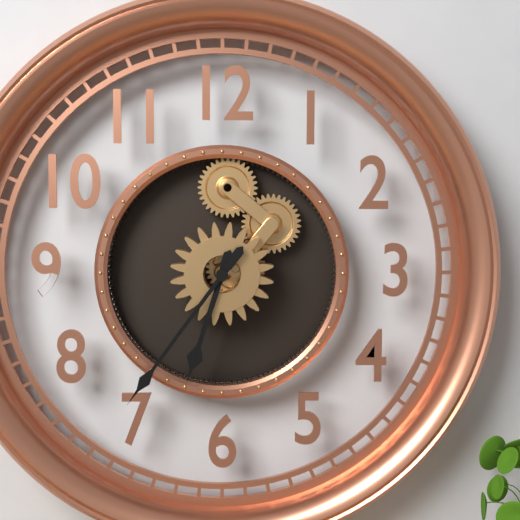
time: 6:36
